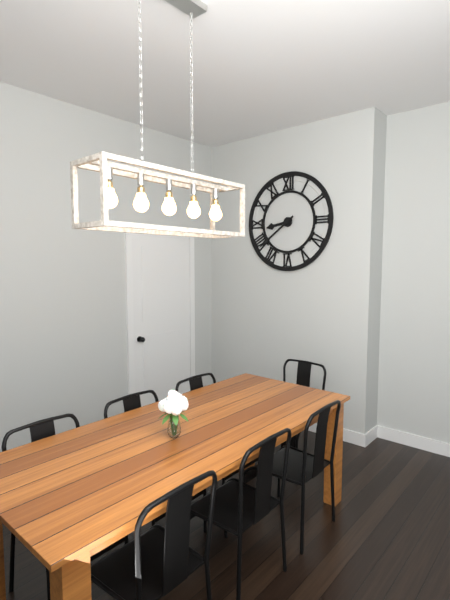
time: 8:39
